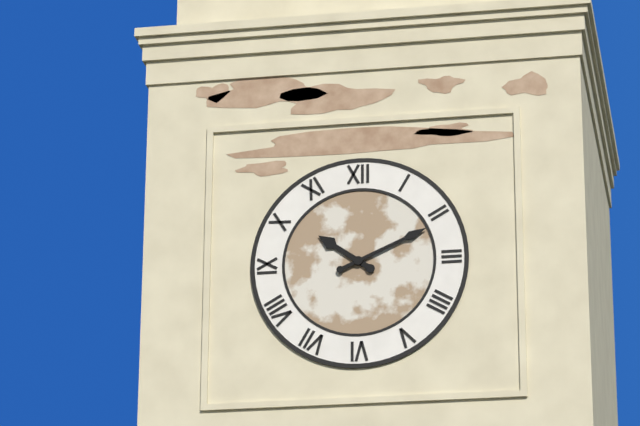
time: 10:11
